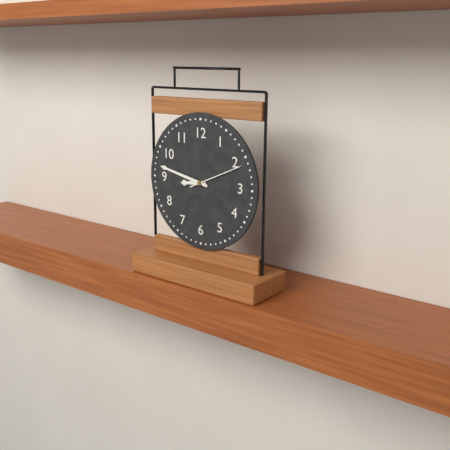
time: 8:47:11
